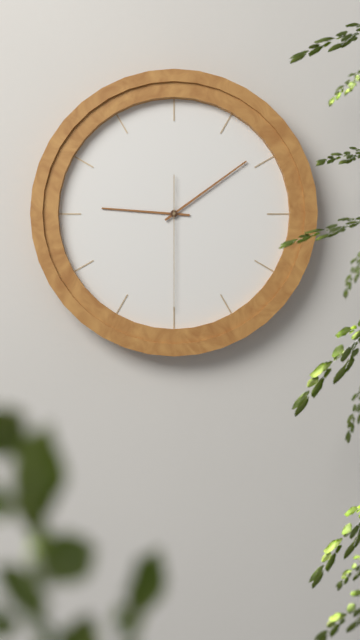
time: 9:09:30
